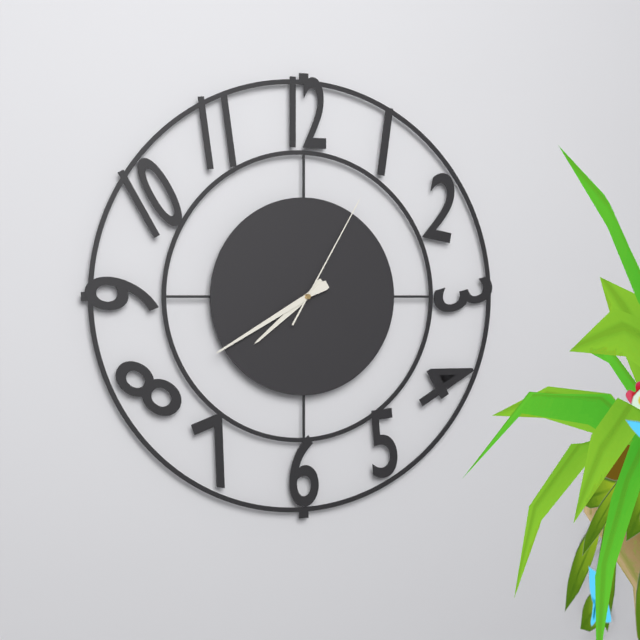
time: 7:40:05
